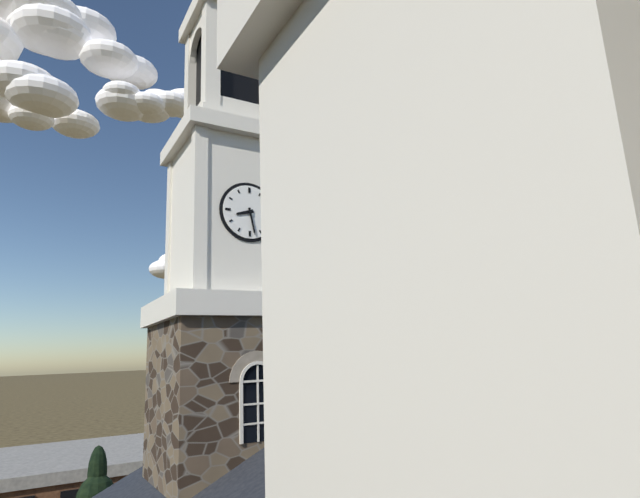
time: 8:28
